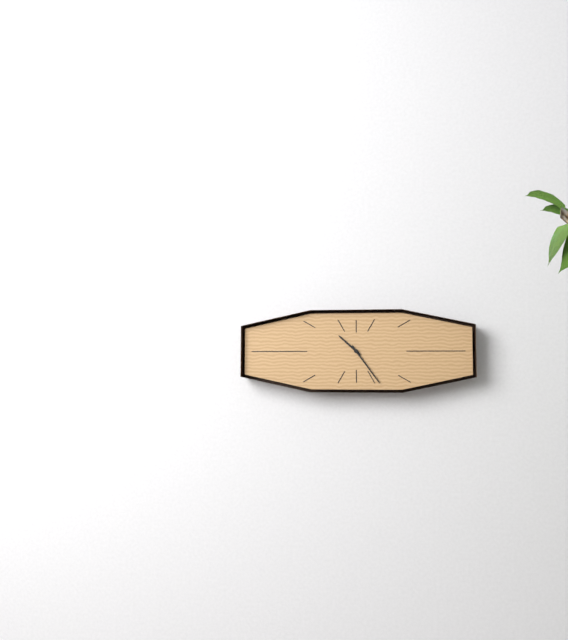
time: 10:24
